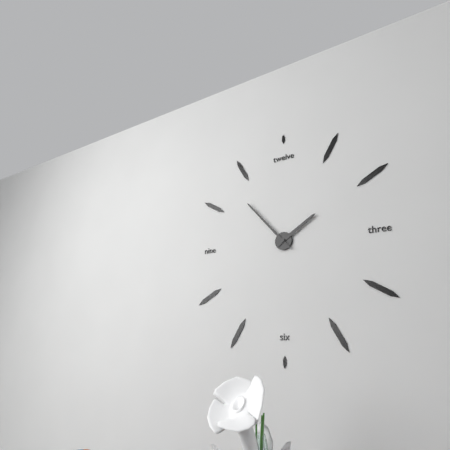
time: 1:53
